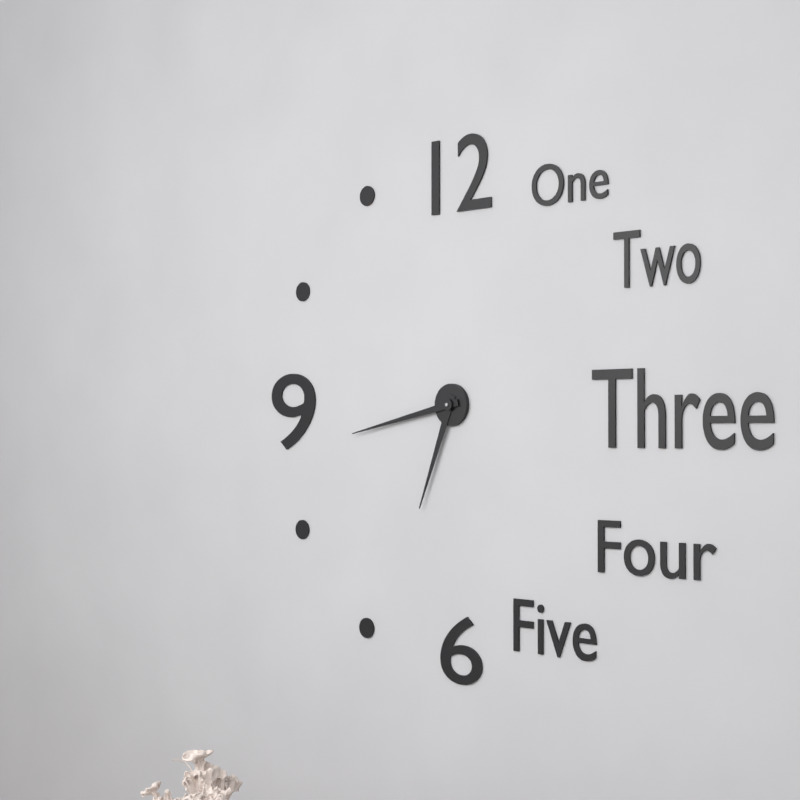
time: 6:43
